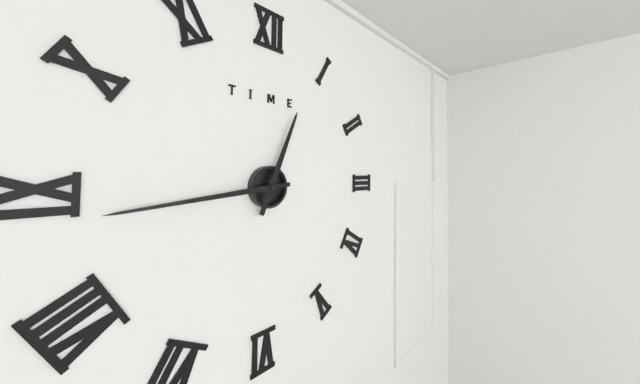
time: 12:44
